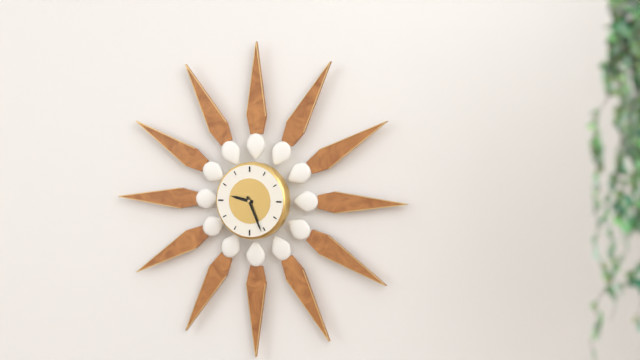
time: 9:26
